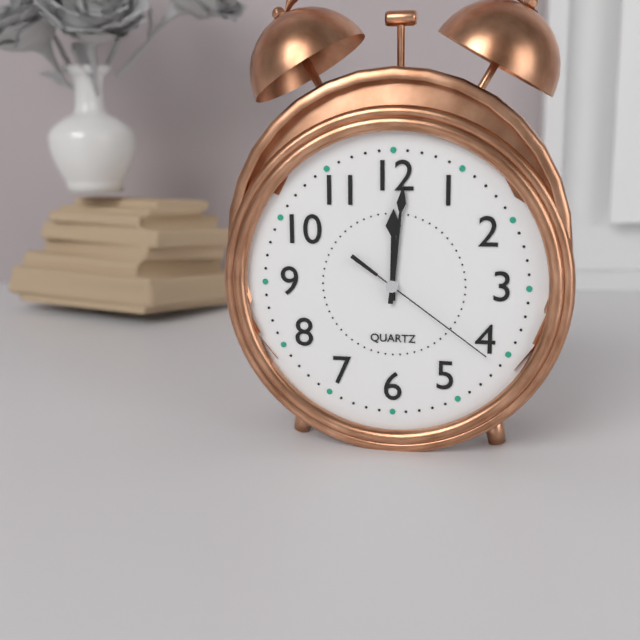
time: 12:01:21
